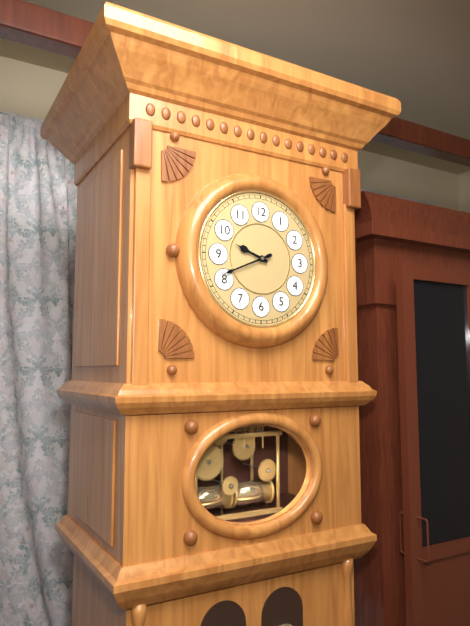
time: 9:41
